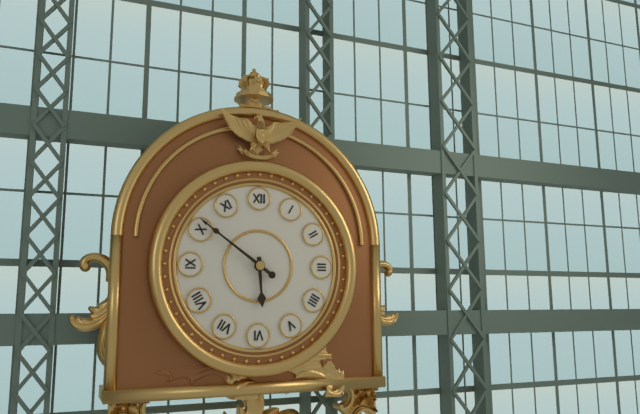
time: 5:51
